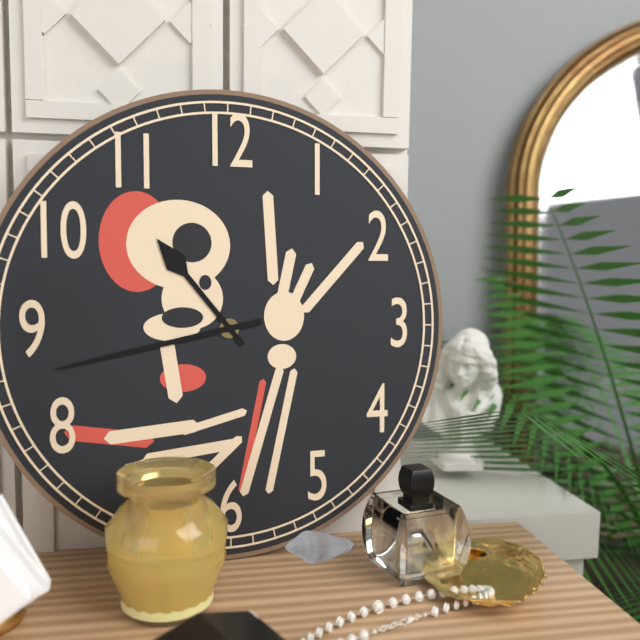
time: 10:43
